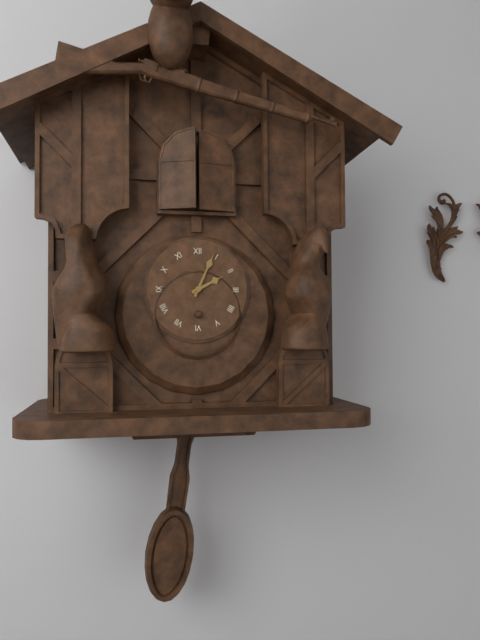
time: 2:04
